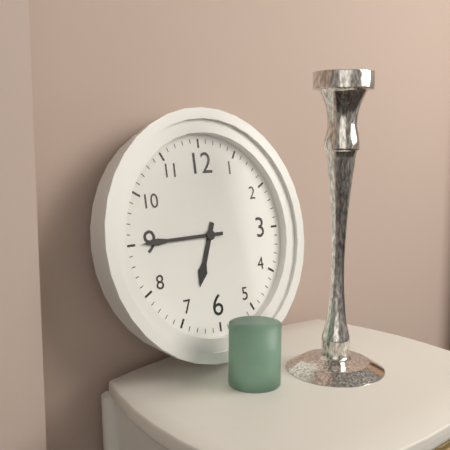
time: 6:45
